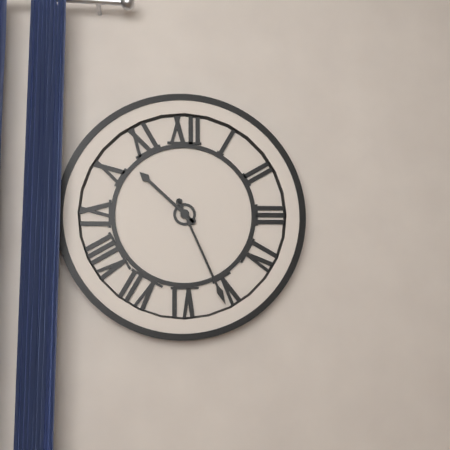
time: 10:26
